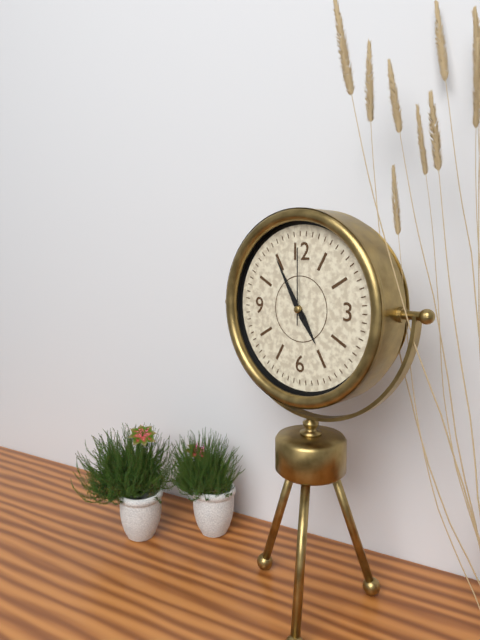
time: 4:55:00
